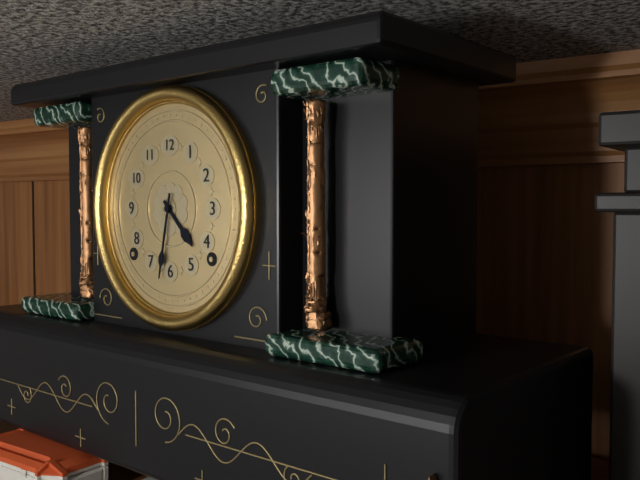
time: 4:32
